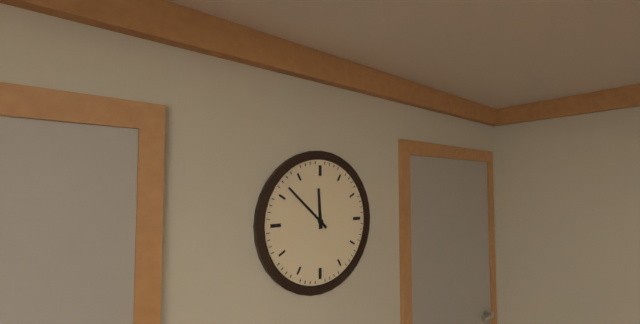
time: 11:52
